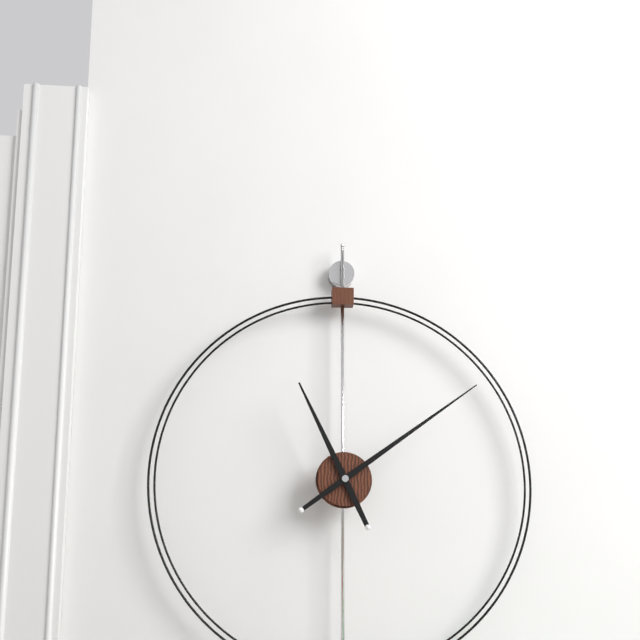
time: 11:09
